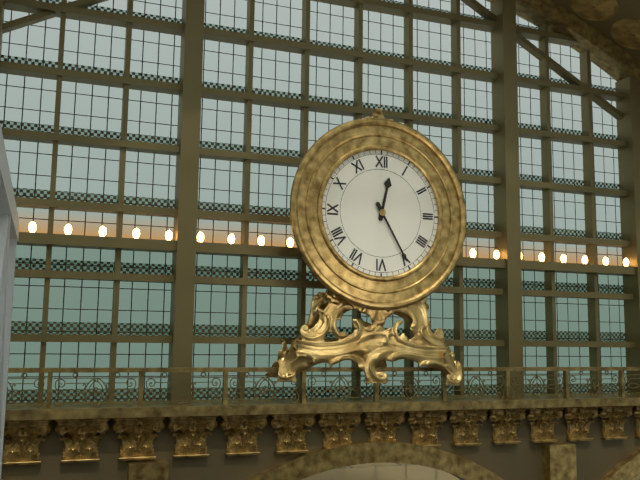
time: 12:25
